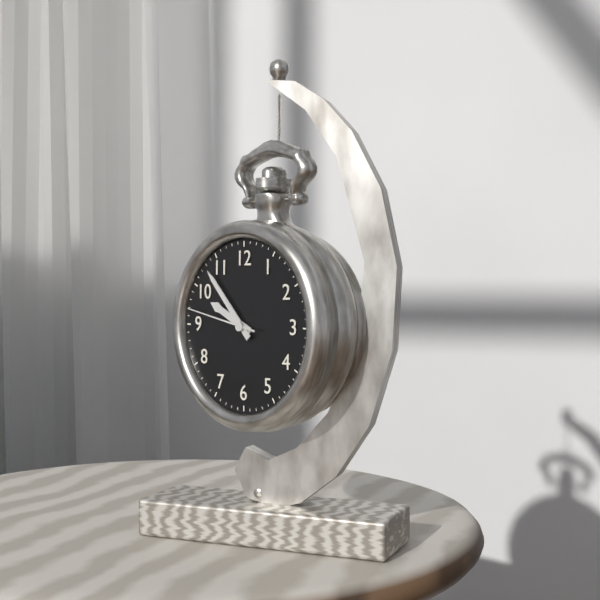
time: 9:53:47
